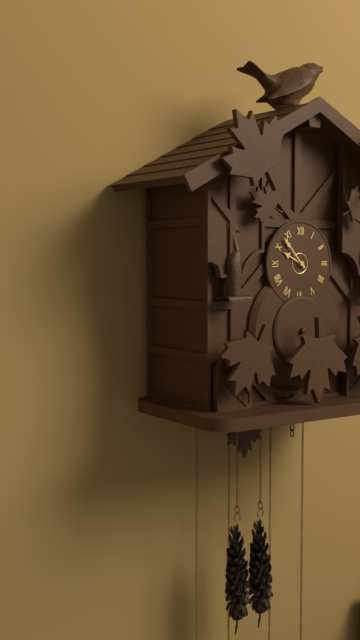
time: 9:53
